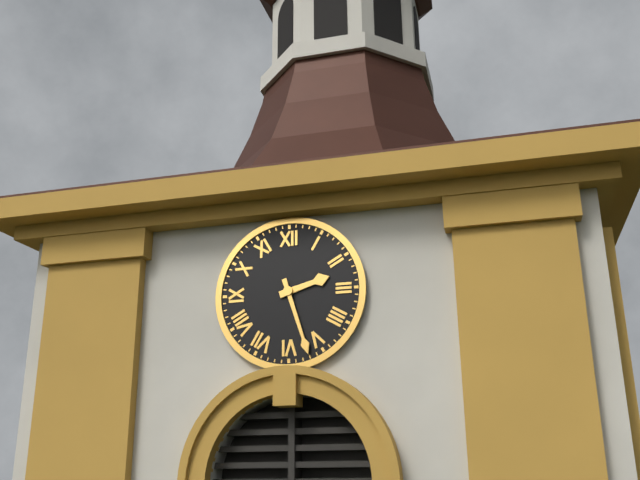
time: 2:27
